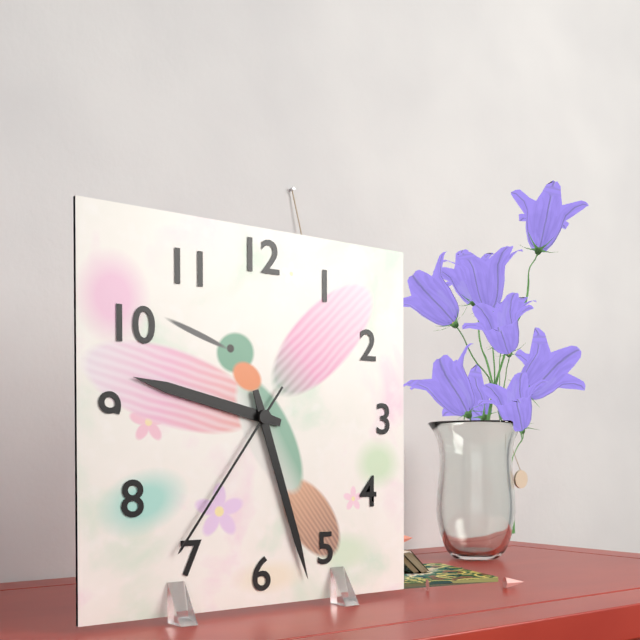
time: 9:27:36
